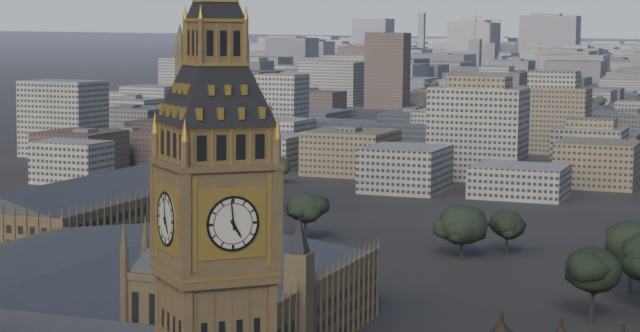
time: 4:59
